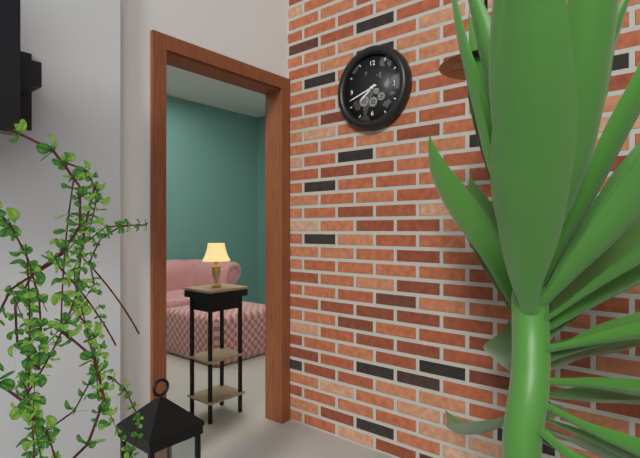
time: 7:42
